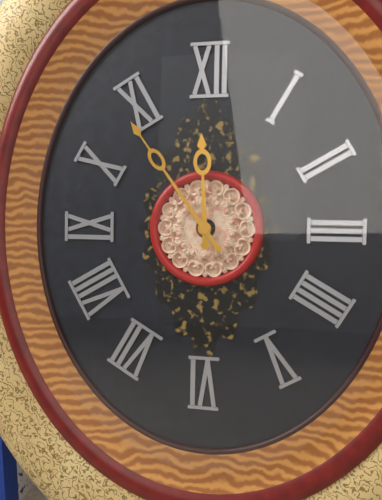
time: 11:54
